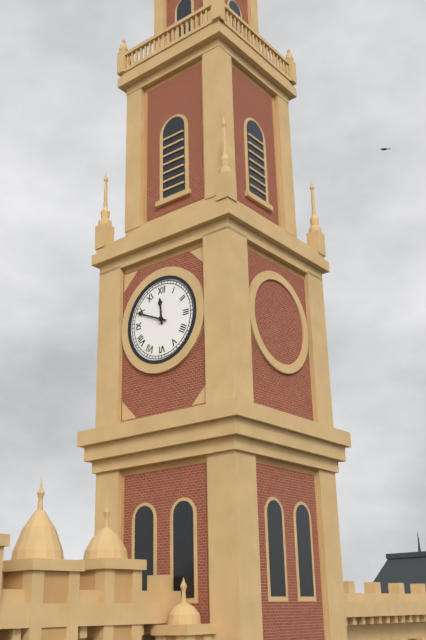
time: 11:49
